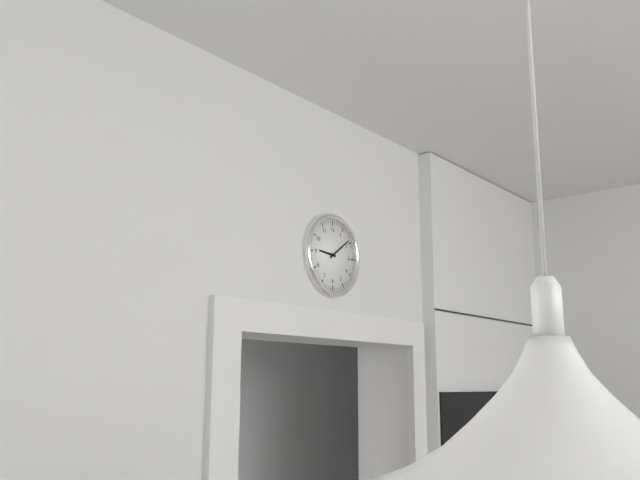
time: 9:09
